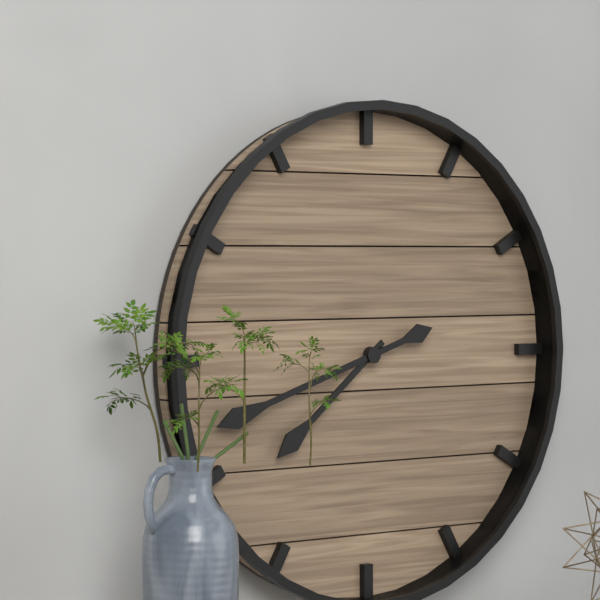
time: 7:42
